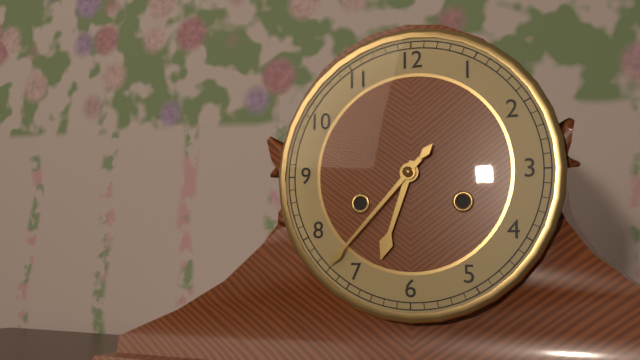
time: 6:37
